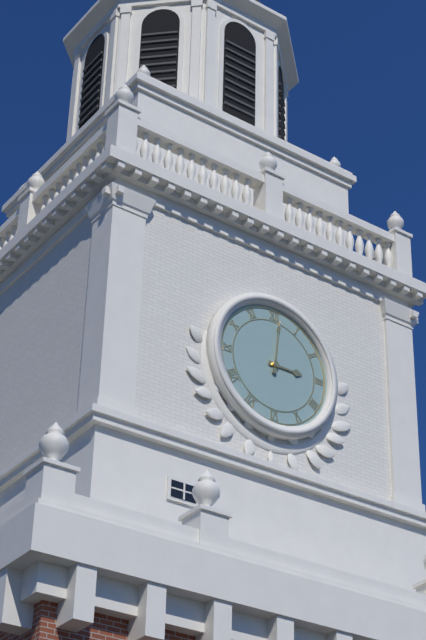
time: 3:01
